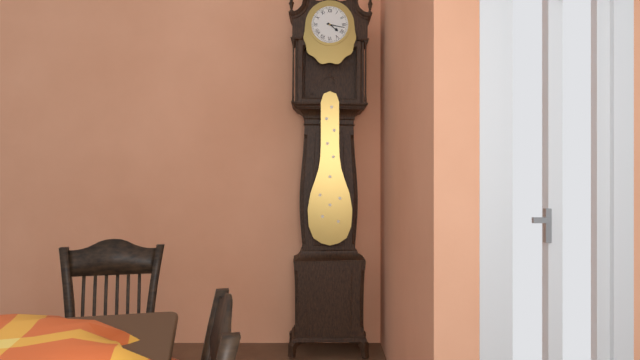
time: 4:17
